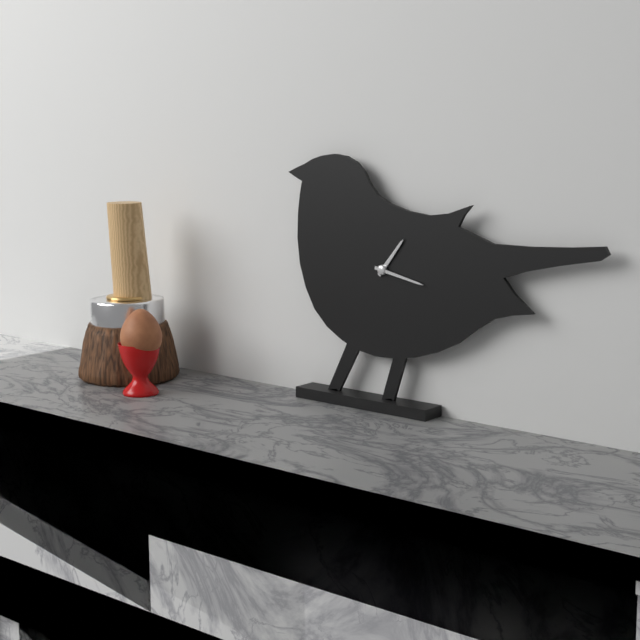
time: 1:17
